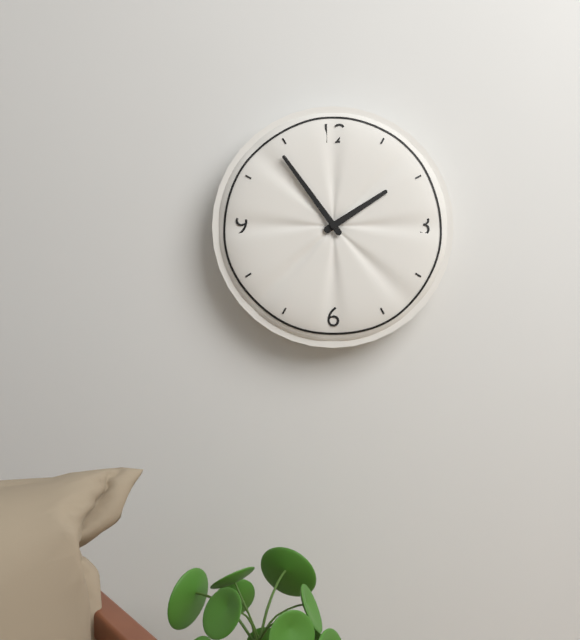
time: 1:54
